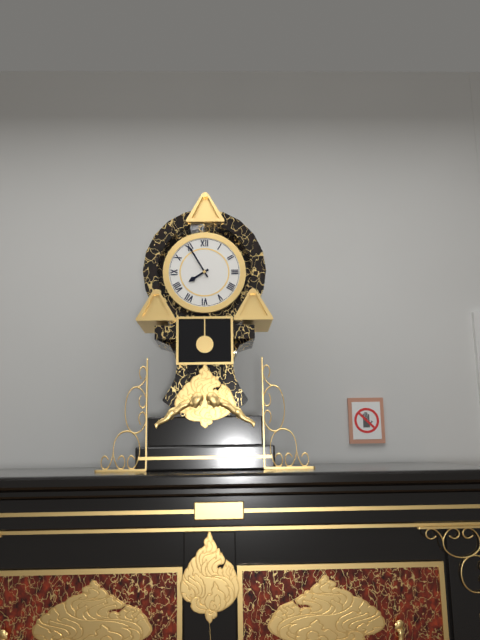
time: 7:55
